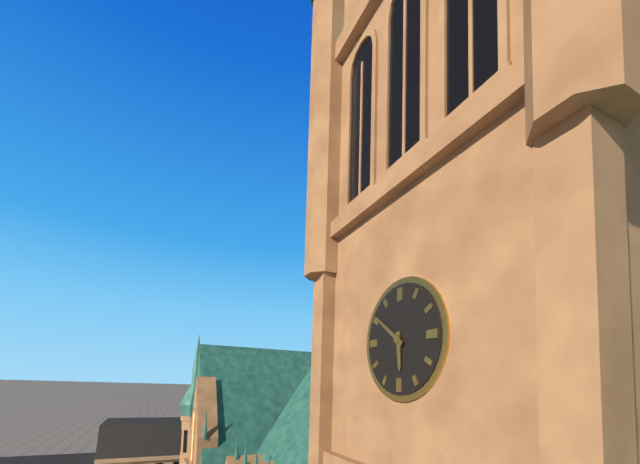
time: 5:51
